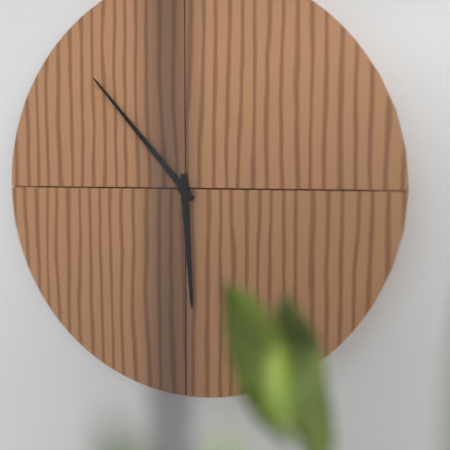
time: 5:53
